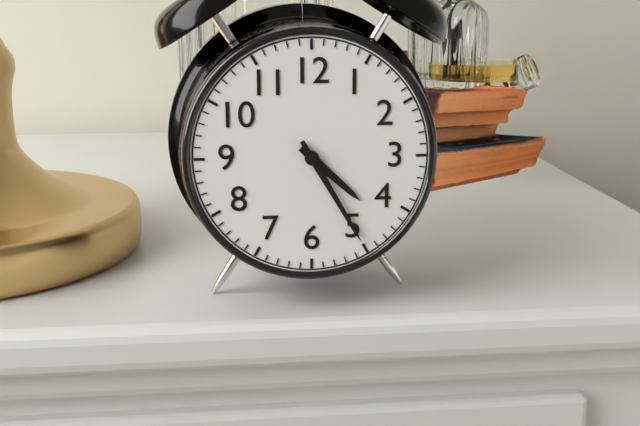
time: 4:25
